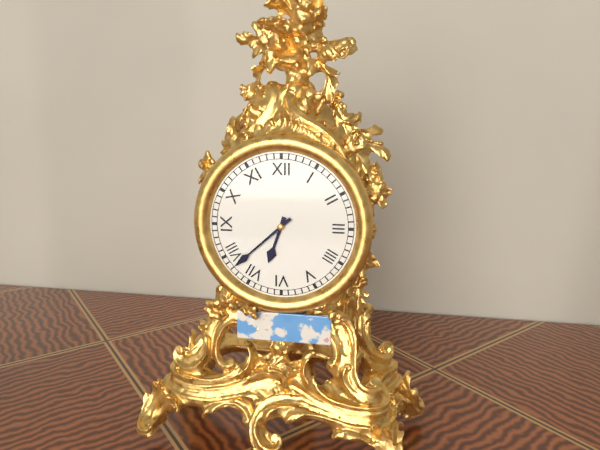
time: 6:38
